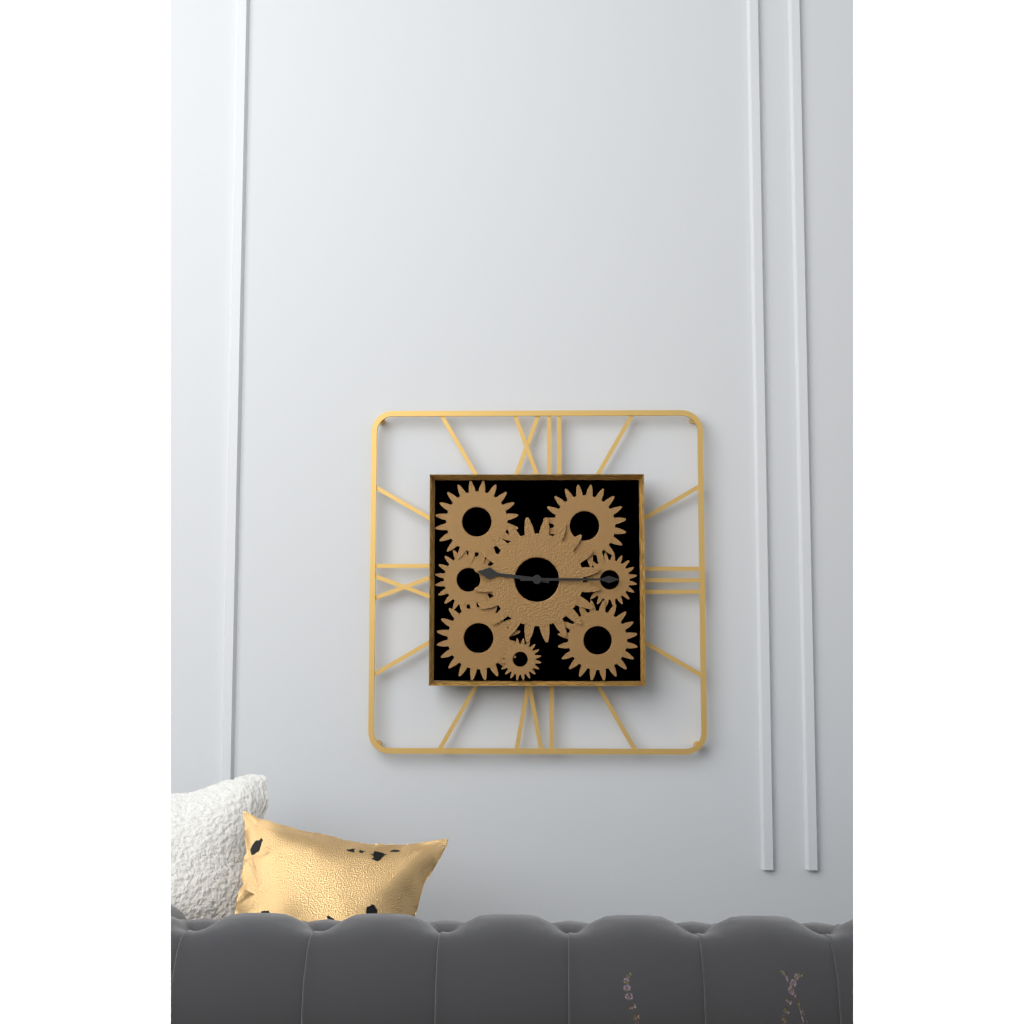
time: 9:15
